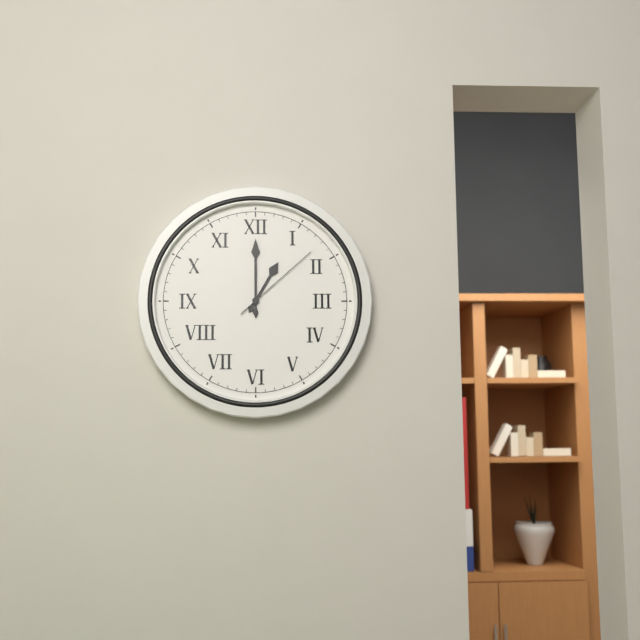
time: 1:00:08
